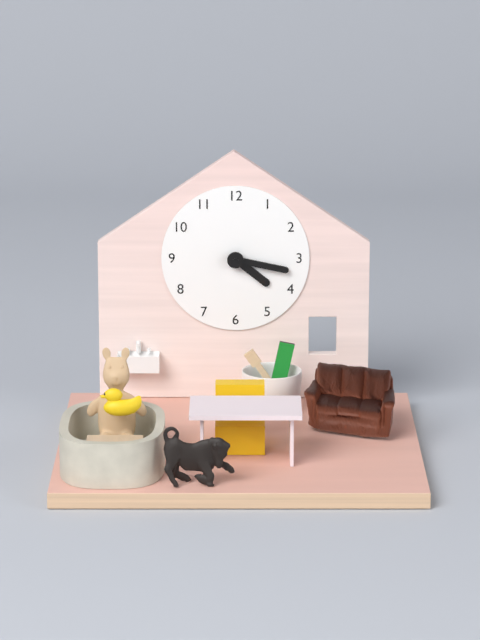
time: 4:17
